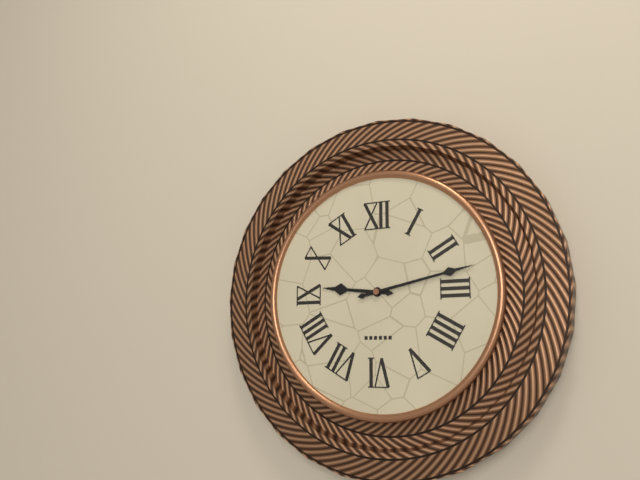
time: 9:13
